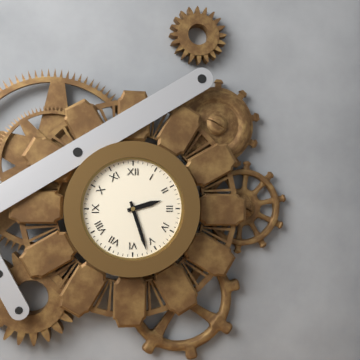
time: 2:27
